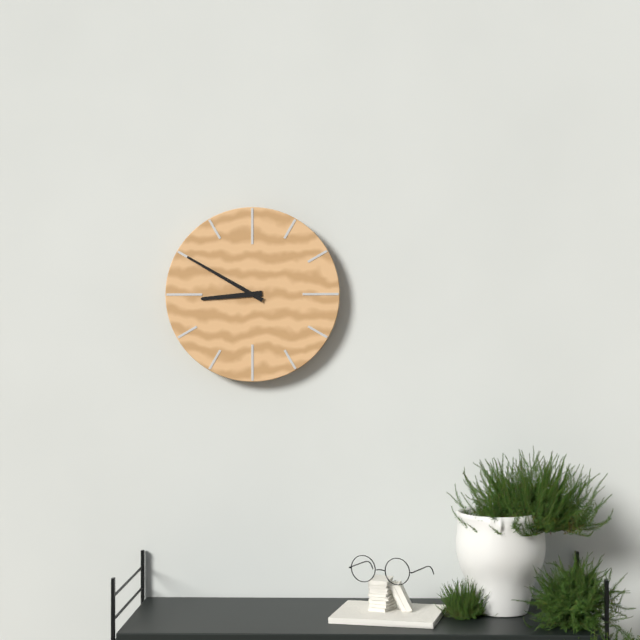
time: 8:50
